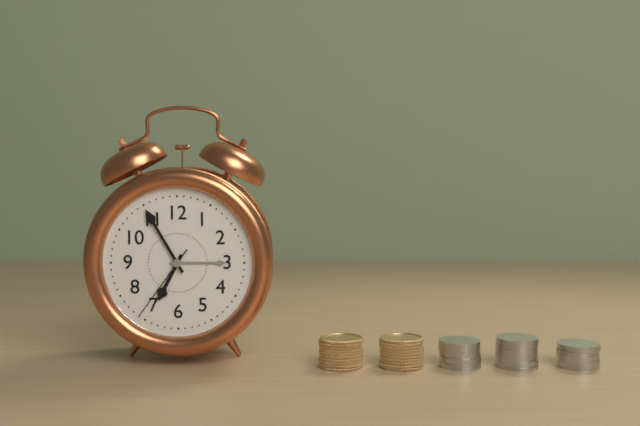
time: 6:55:36
